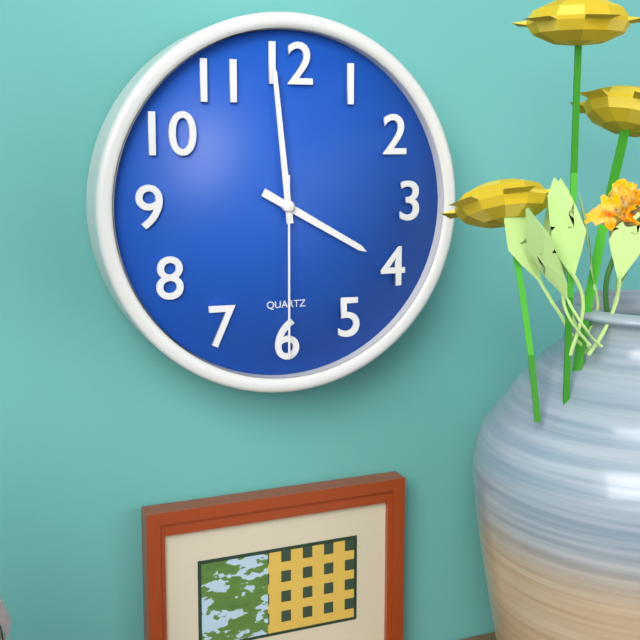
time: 3:59:30
